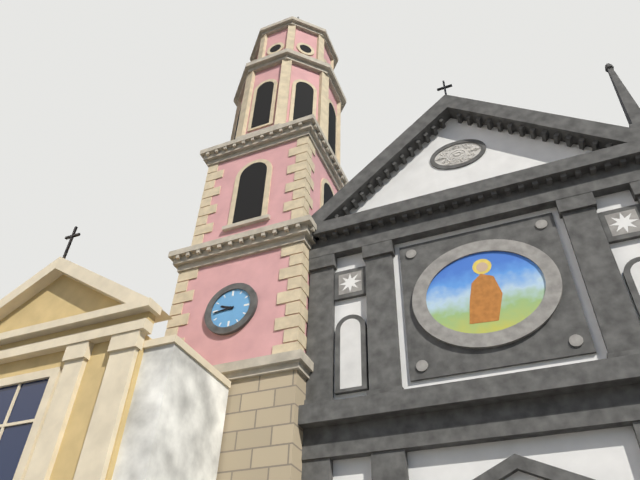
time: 9:44
